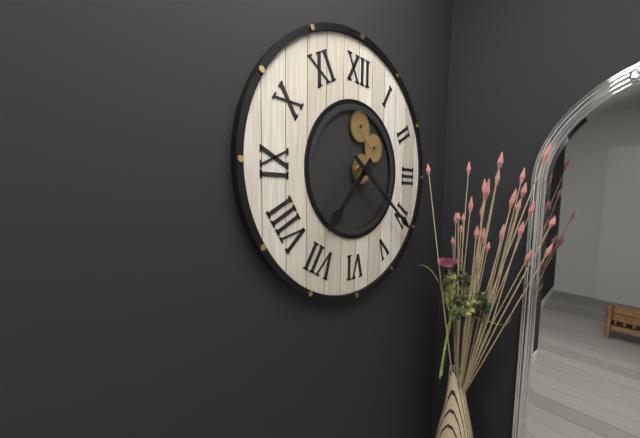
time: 7:21
